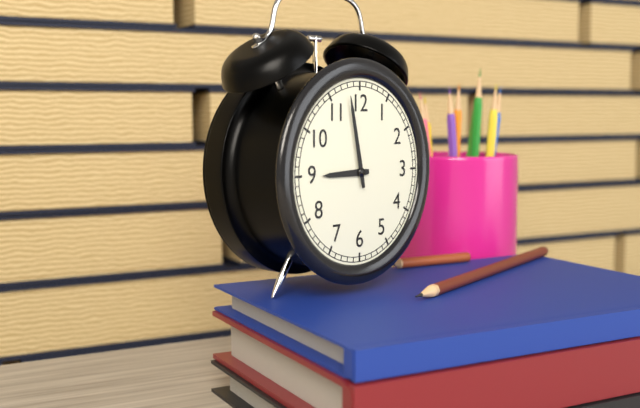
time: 8:58
